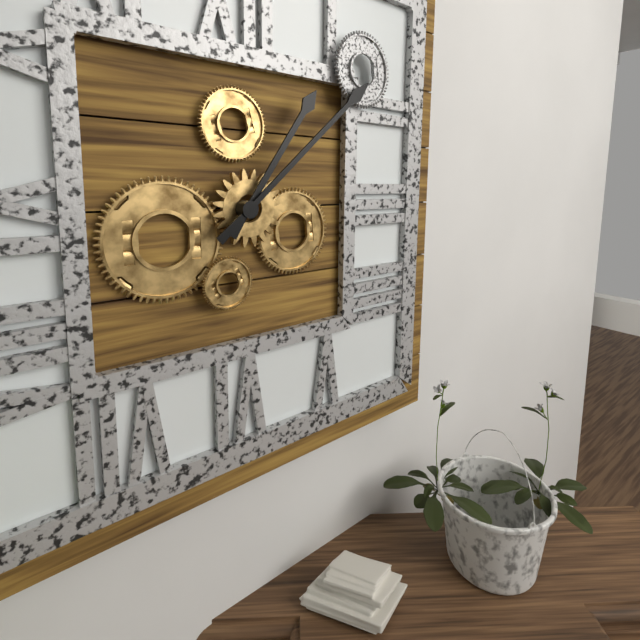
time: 1:08
